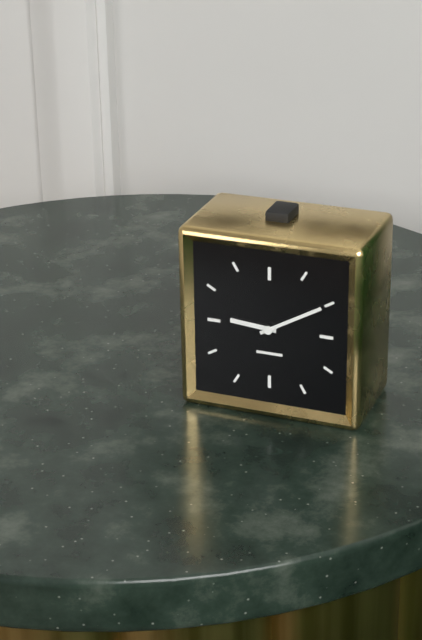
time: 9:10
